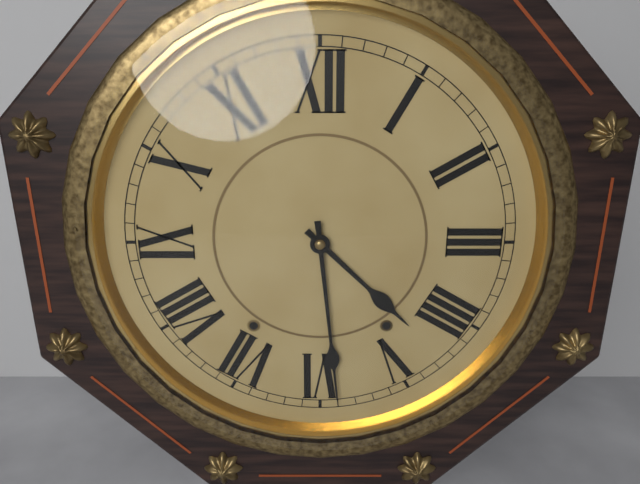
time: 4:29
